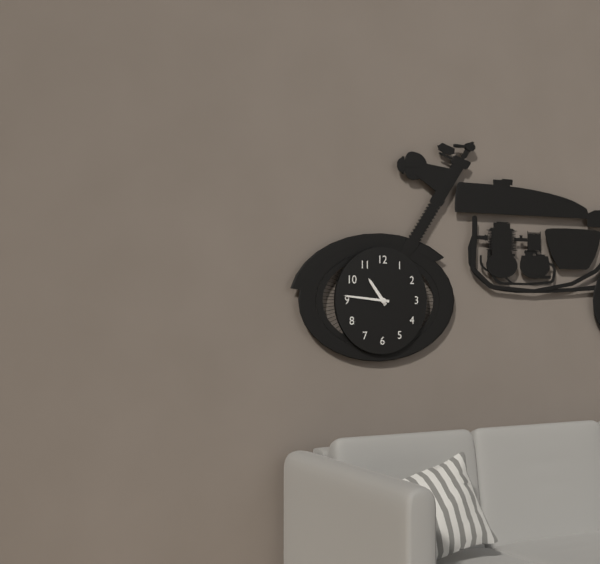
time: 10:46
